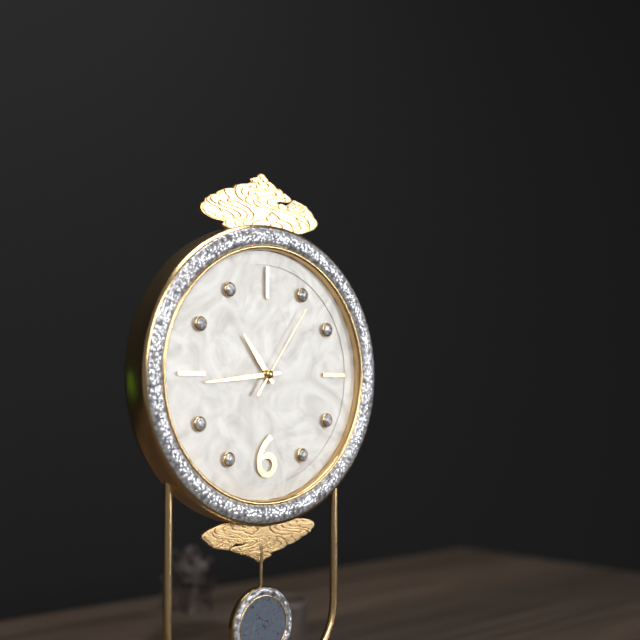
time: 10:44:06
